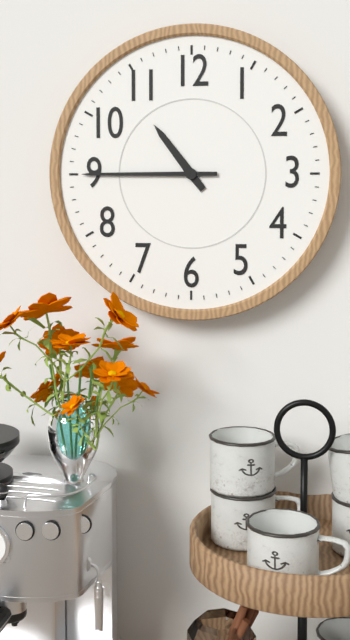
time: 10:45
